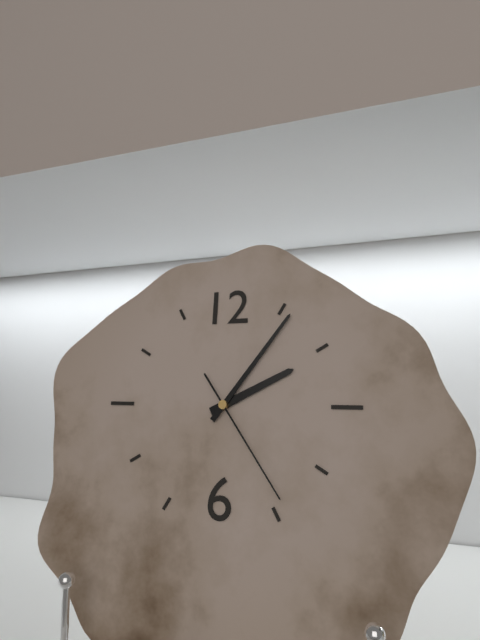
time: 2:06:24
